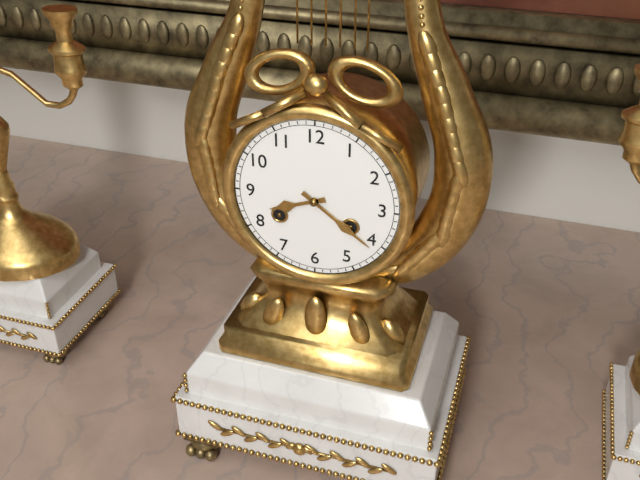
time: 8:21
